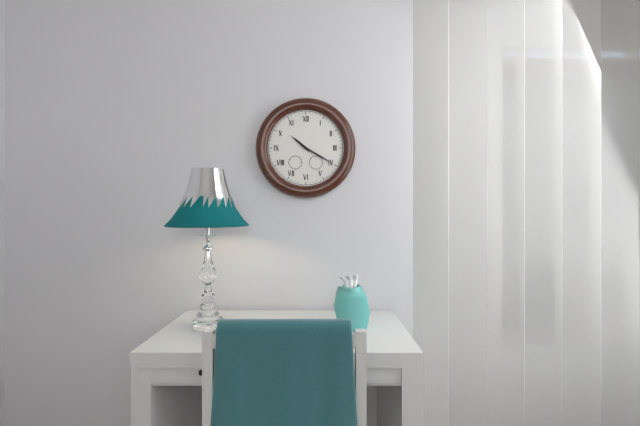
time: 10:20
